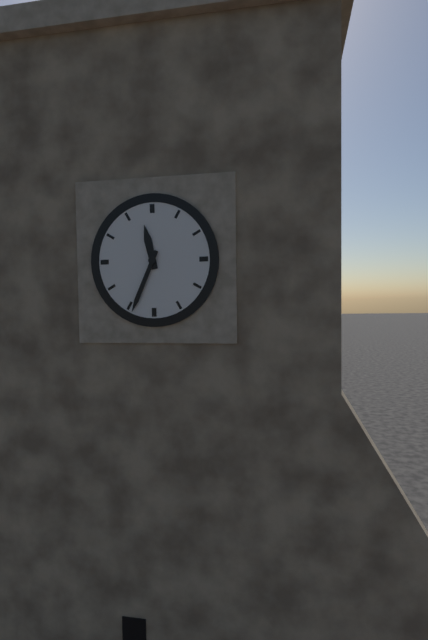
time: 11:34
